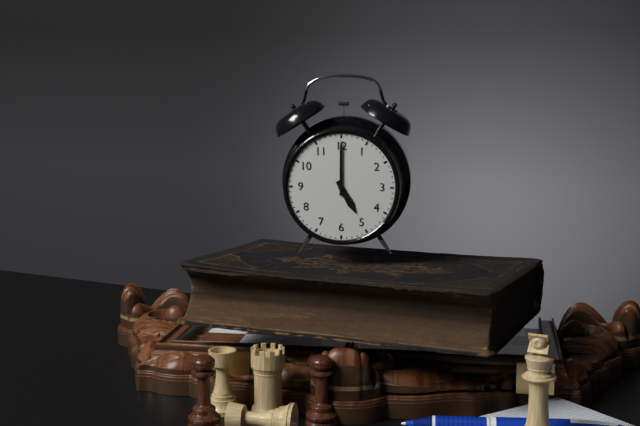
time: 5:00
